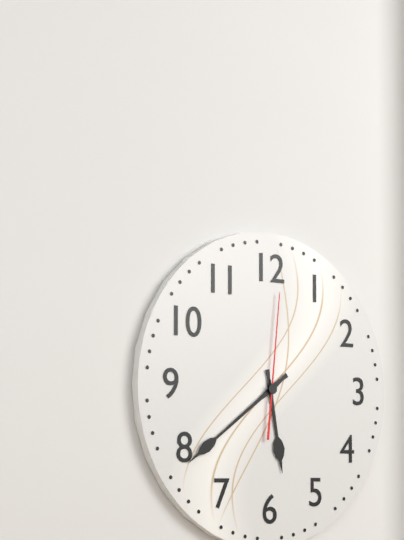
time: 5:39:01
